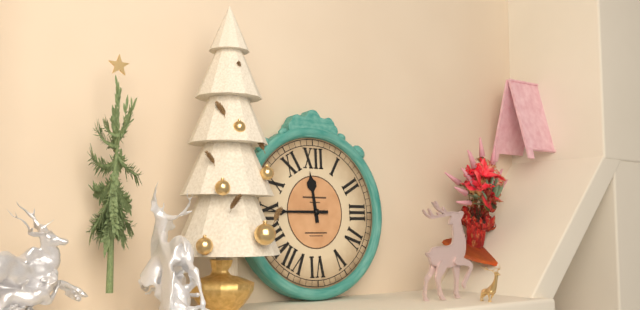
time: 11:45
